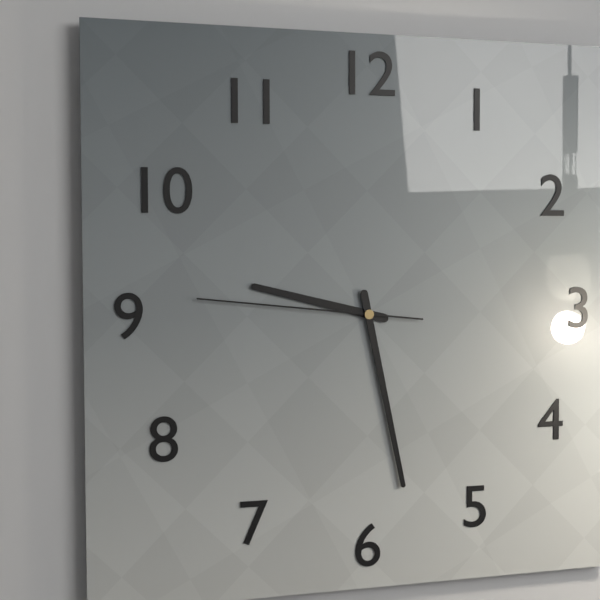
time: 9:28:46
